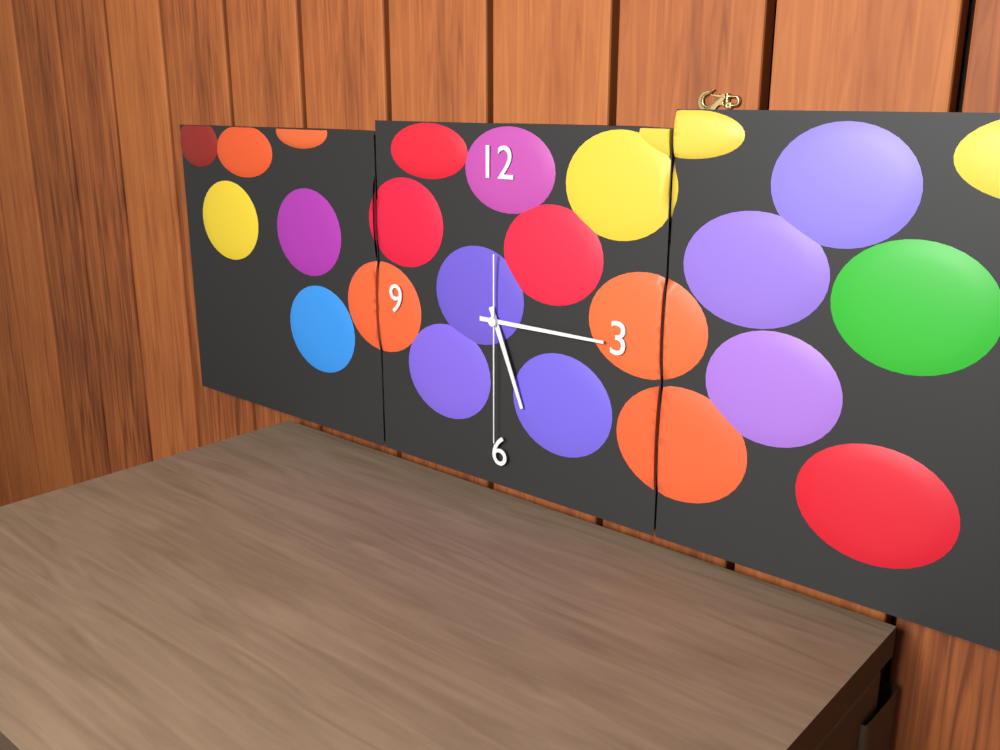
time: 5:15:30
